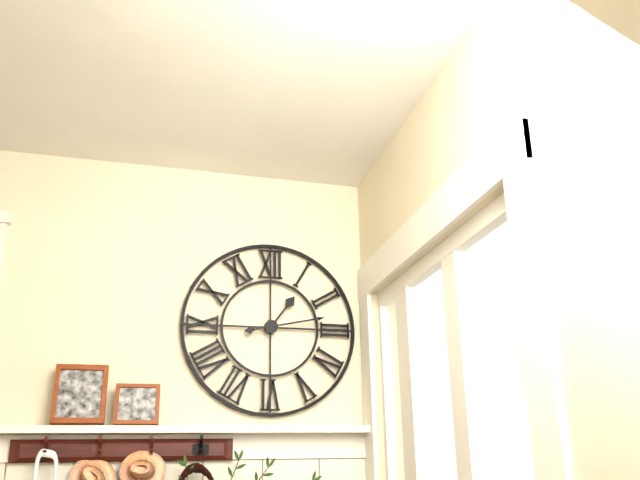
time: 1:13
